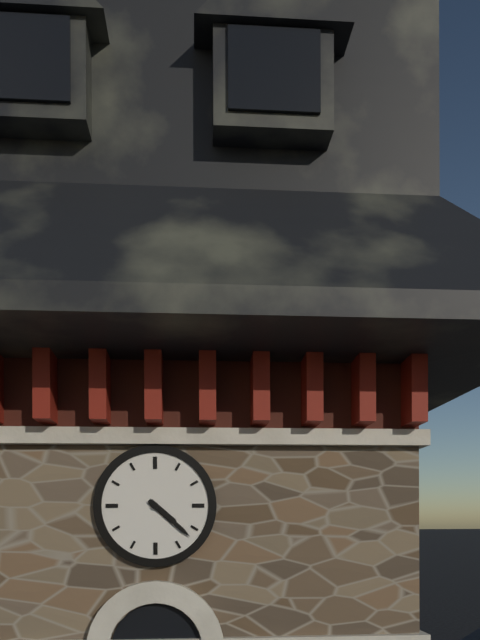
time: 4:22
